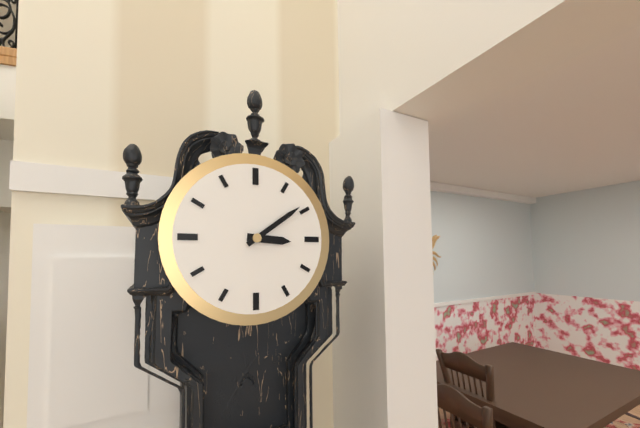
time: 3:09
